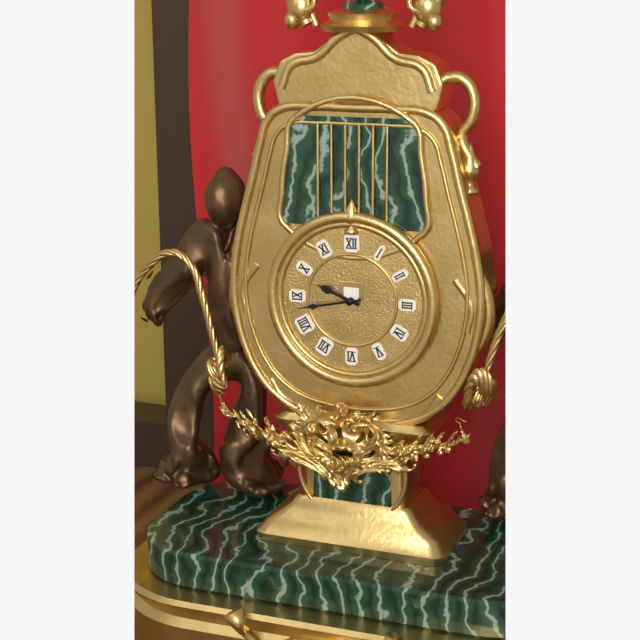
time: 9:43
